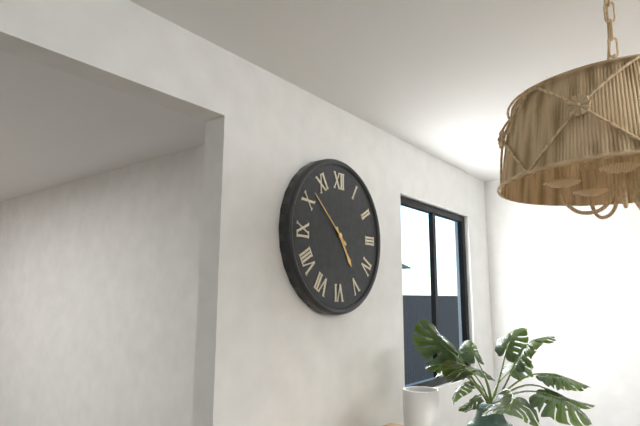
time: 4:52
